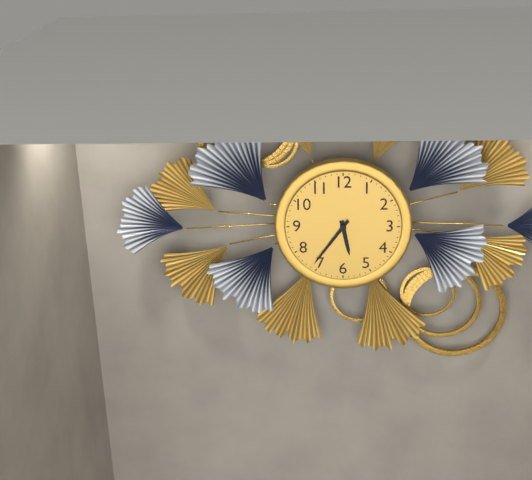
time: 5:36
